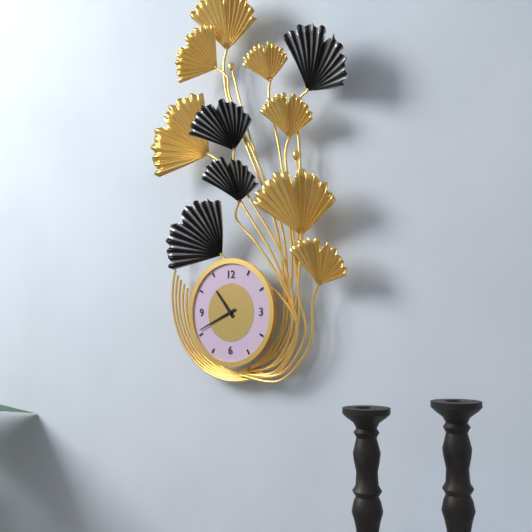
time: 10:41
